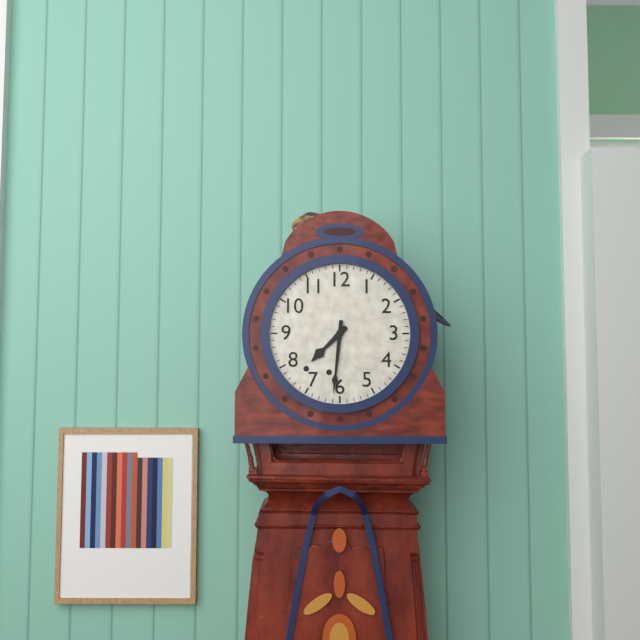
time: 7:31
